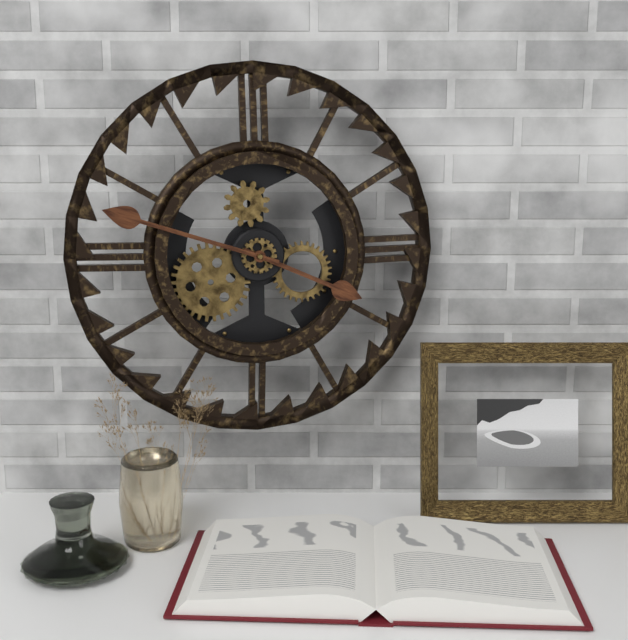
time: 3:48
